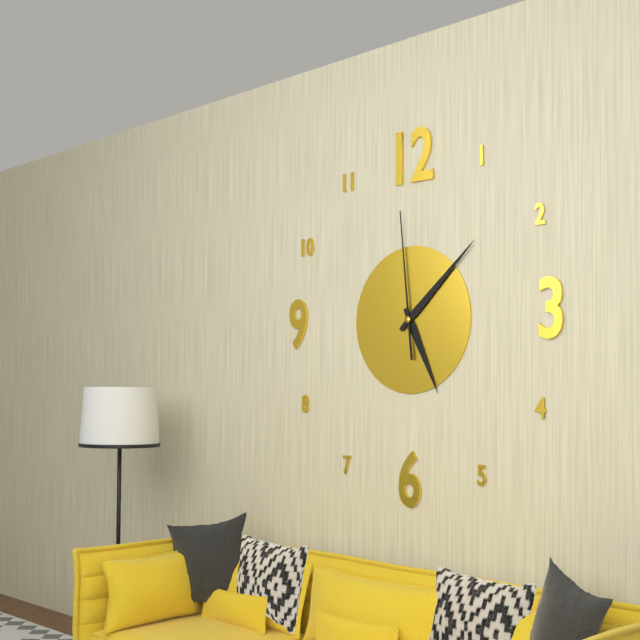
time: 5:08:59
